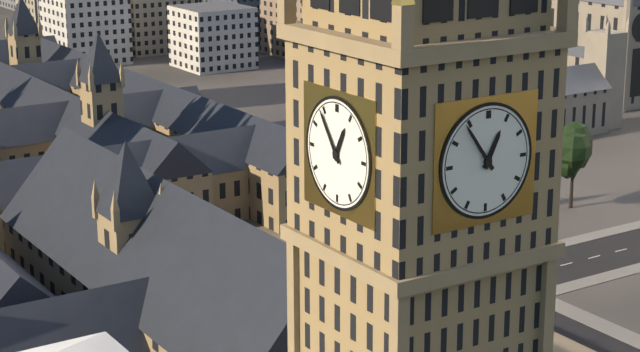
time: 12:54
